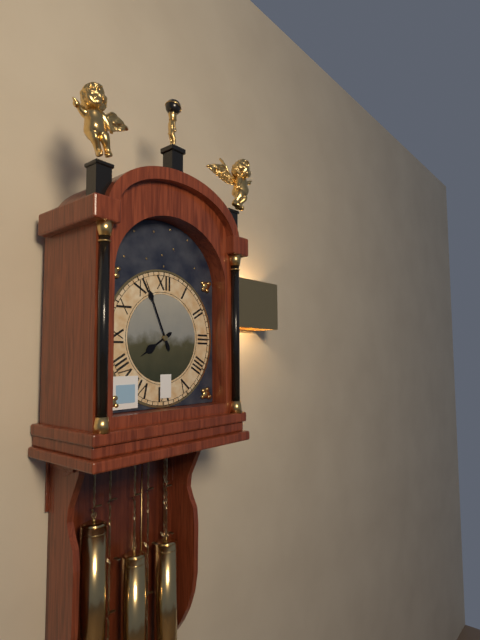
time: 7:56
